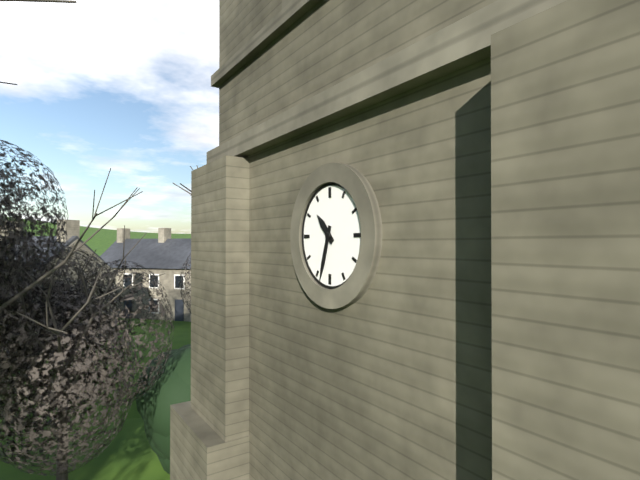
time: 10:33
